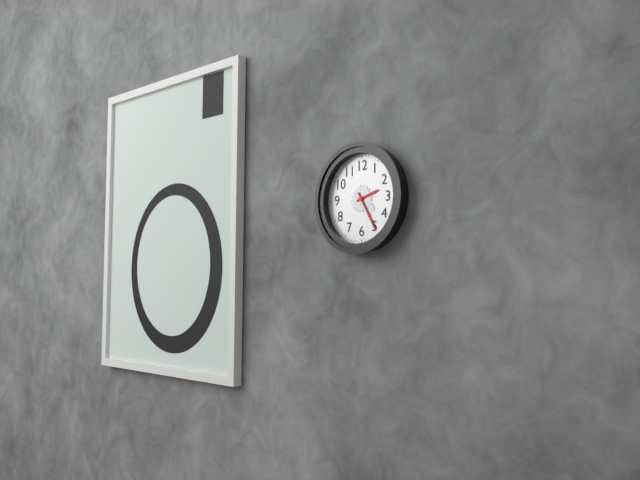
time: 2:25
